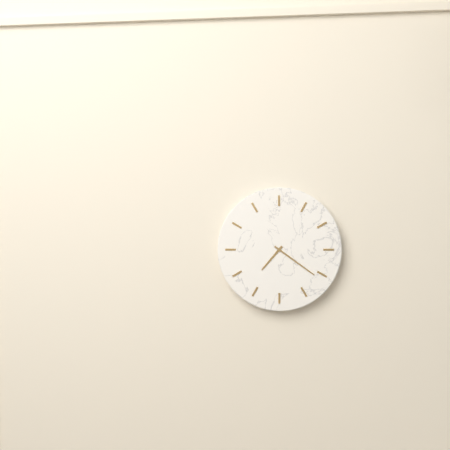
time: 7:21
